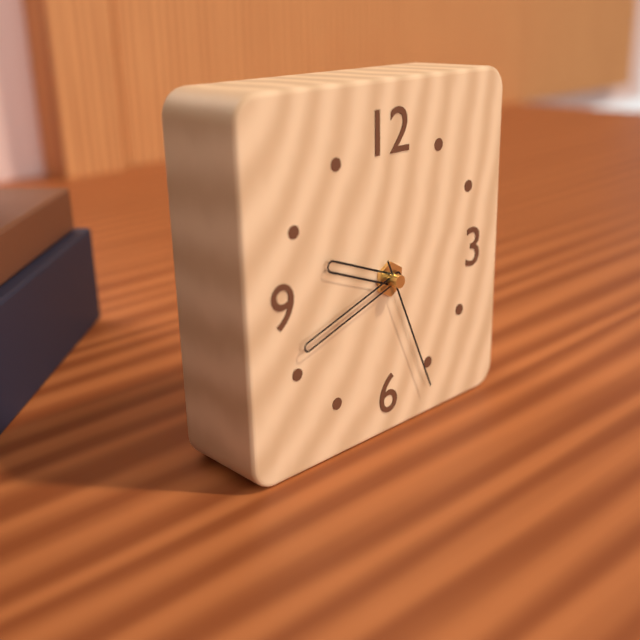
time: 9:42:26
